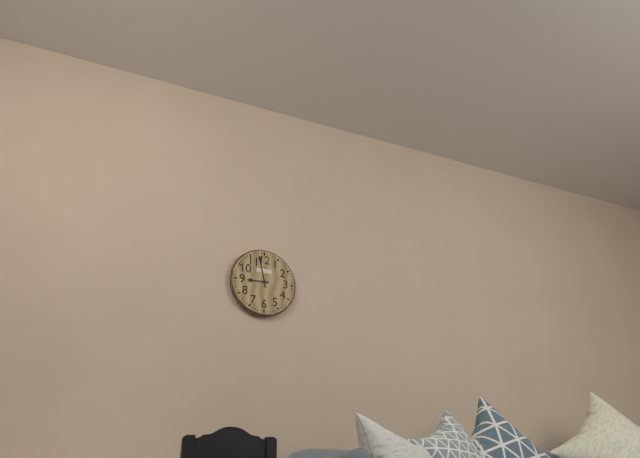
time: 8:58
